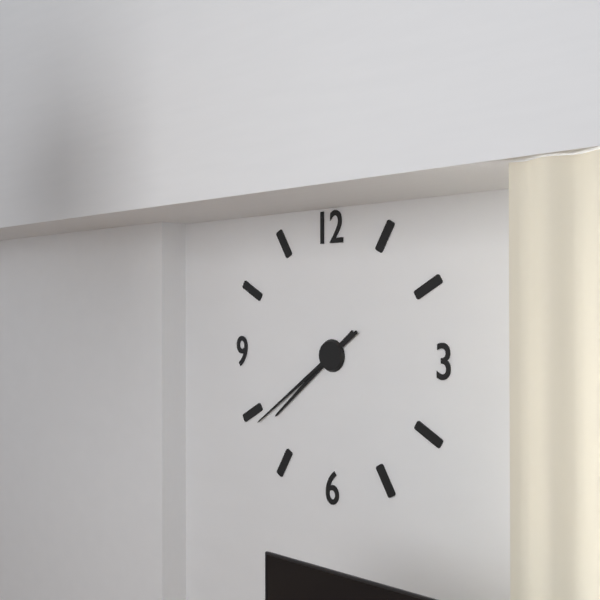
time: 7:39
